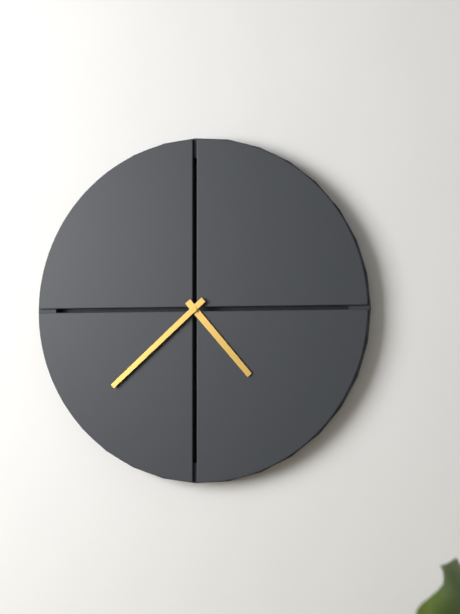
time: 4:38
